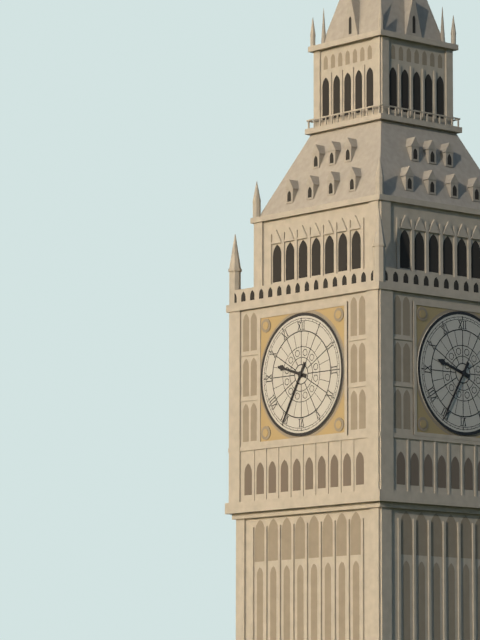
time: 9:35
